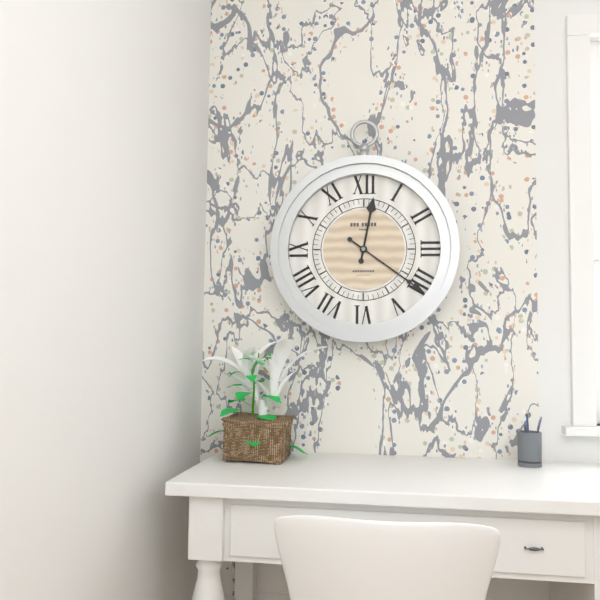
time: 12:21
